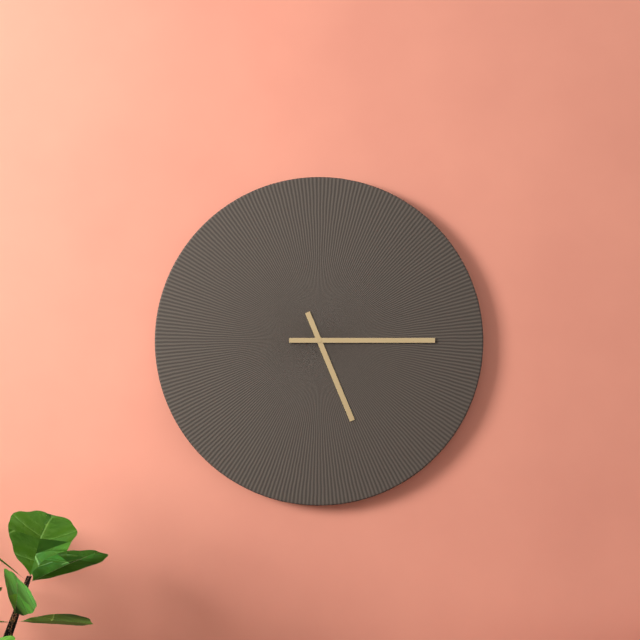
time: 5:15
